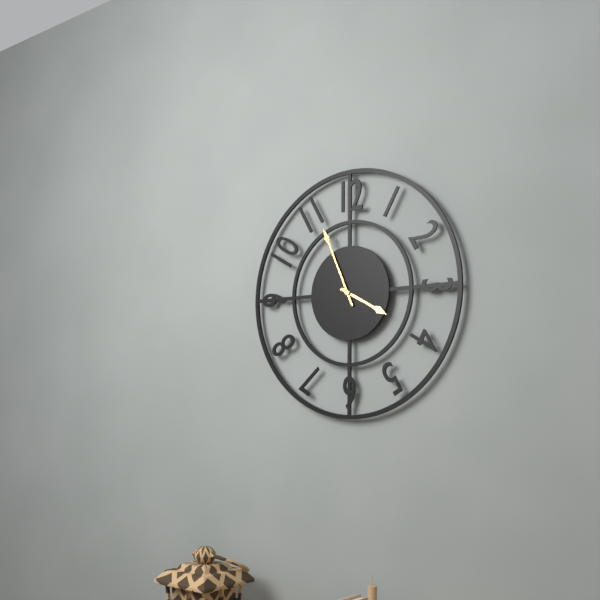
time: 3:56
